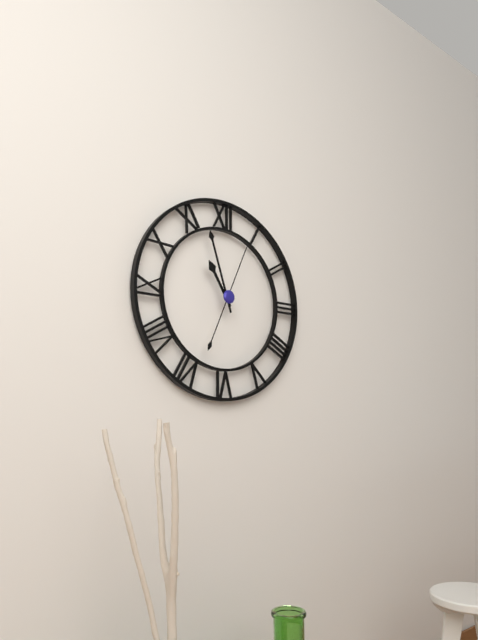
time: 10:57:04
